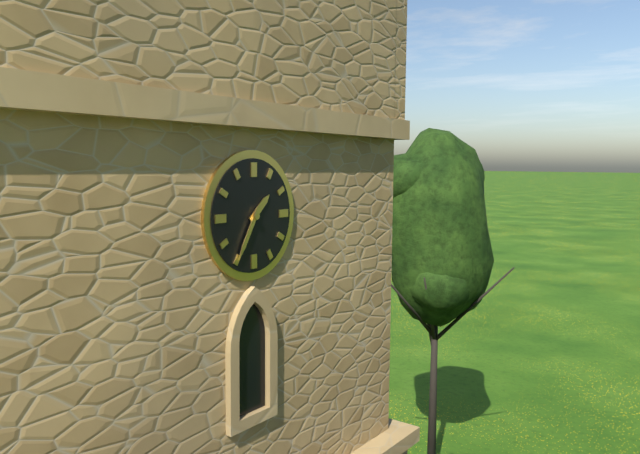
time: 1:35
